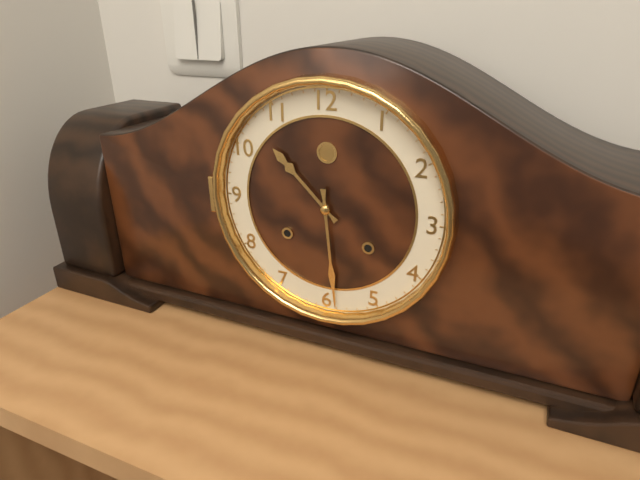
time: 10:29
